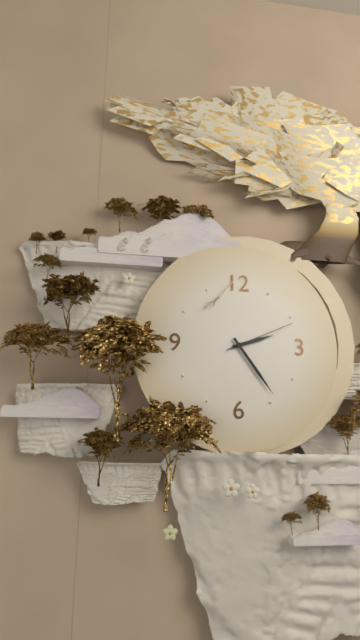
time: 2:24:11
